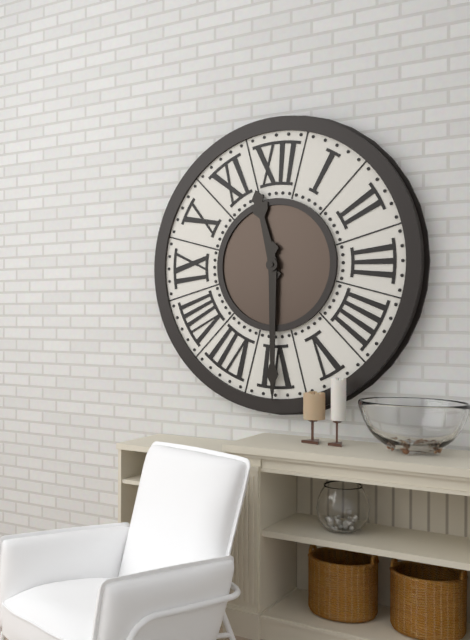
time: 11:30
